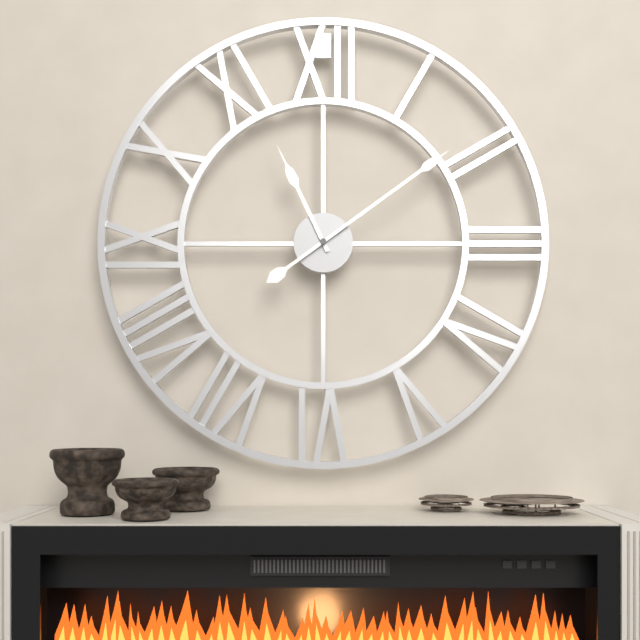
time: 11:09
